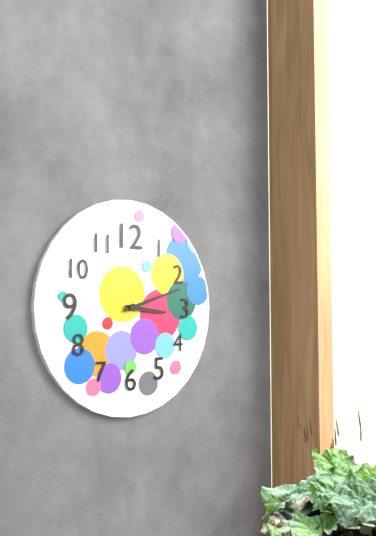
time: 3:12
